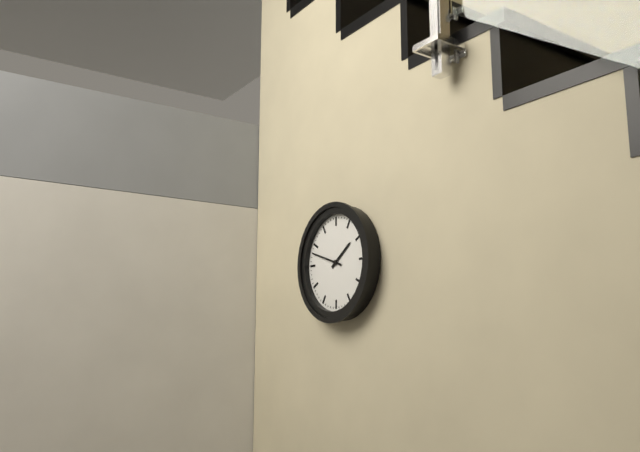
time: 1:48
